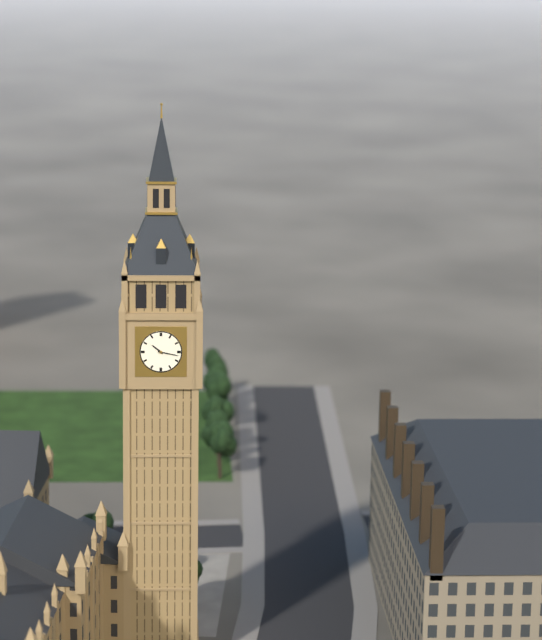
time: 10:17
